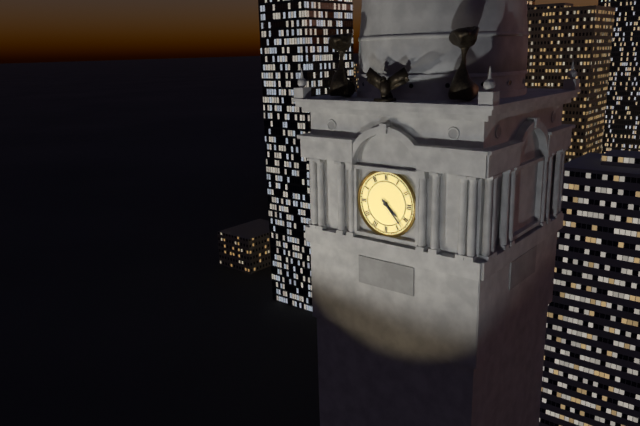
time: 4:23
